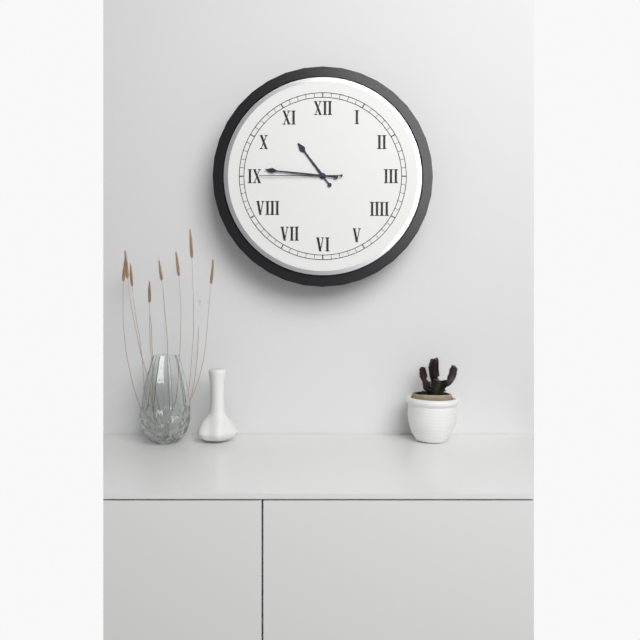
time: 10:46:45
